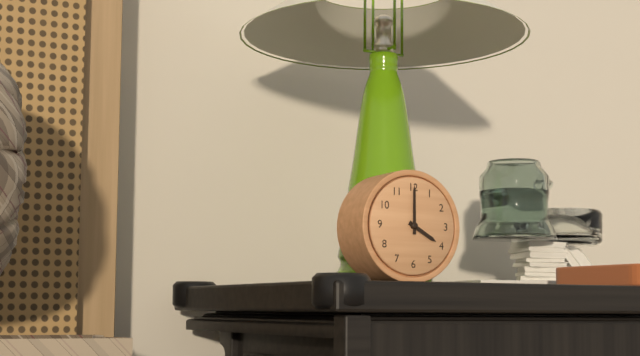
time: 4:00
